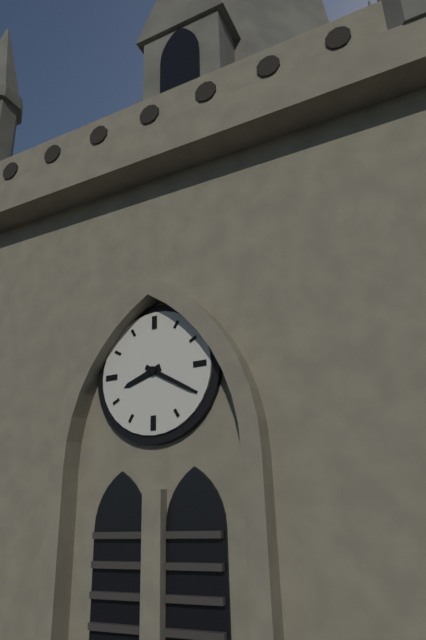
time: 8:20
